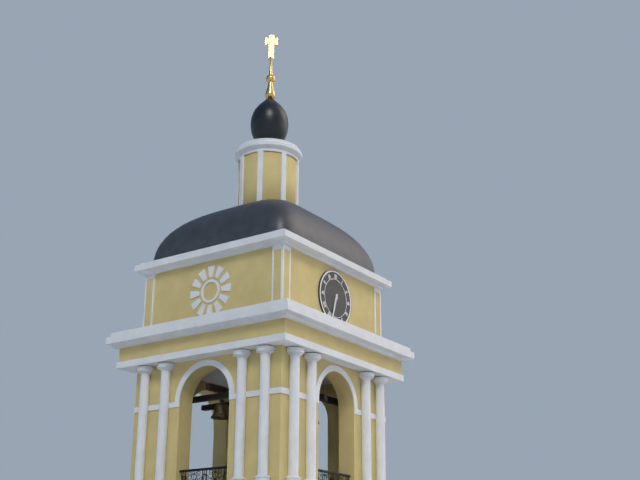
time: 6:33
